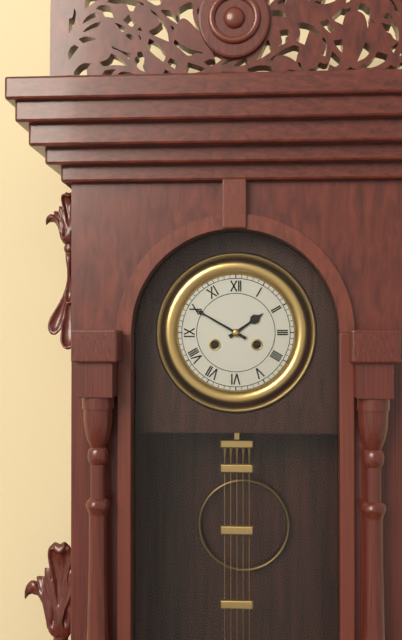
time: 1:50
